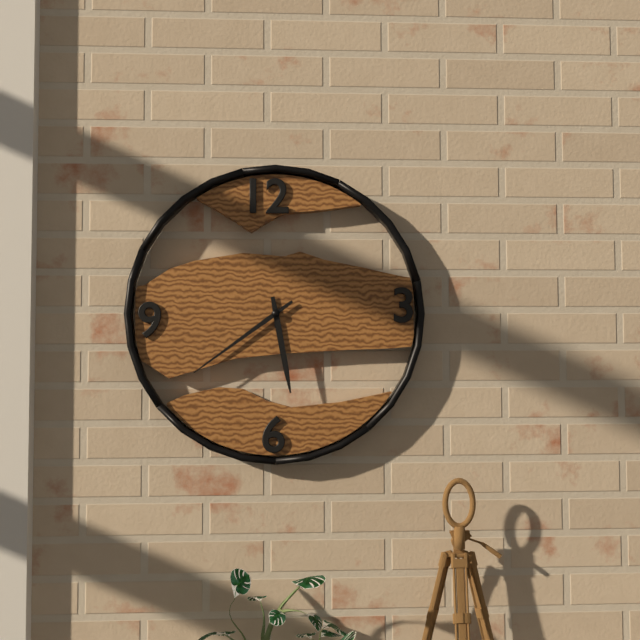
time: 5:39
